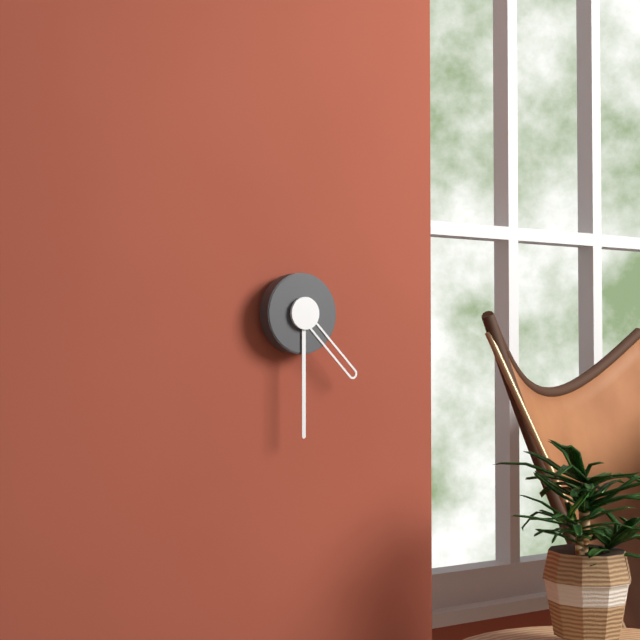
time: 4:30
